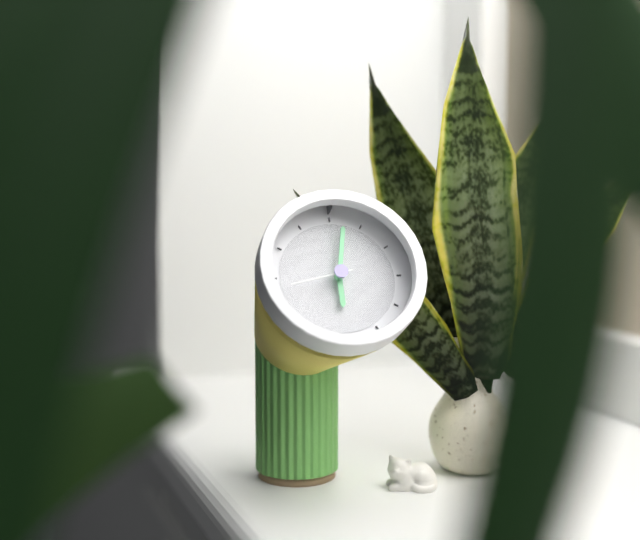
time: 6:02:43
